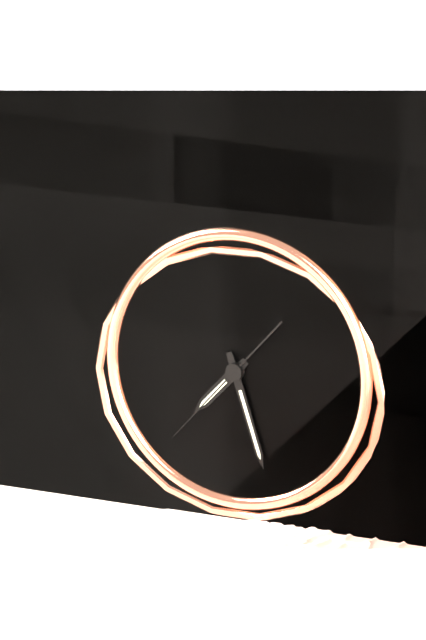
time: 7:27:37
